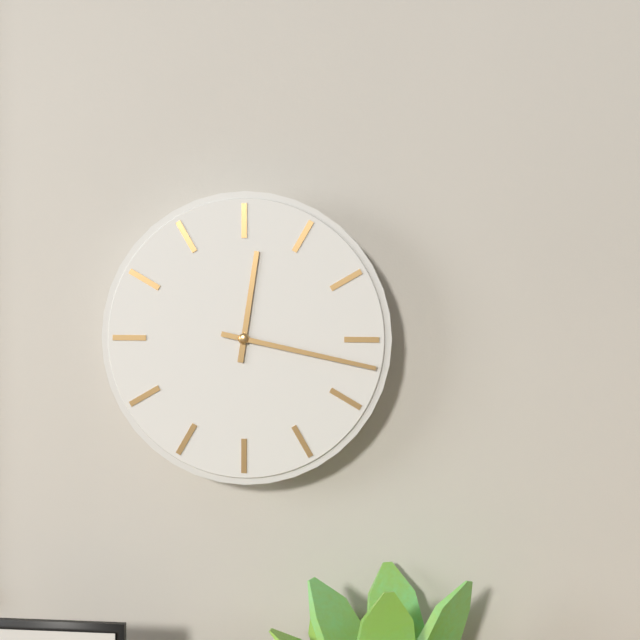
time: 12:17
